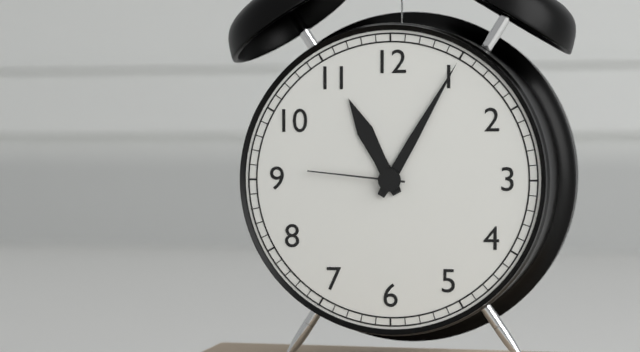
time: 11:05:46
